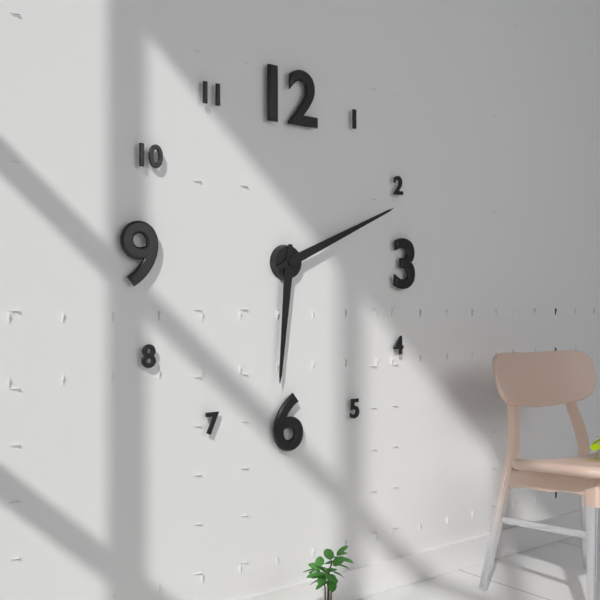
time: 6:11
